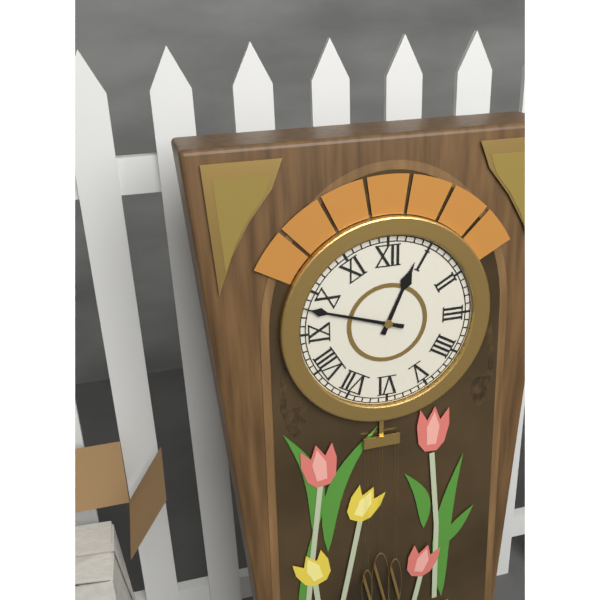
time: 12:48
